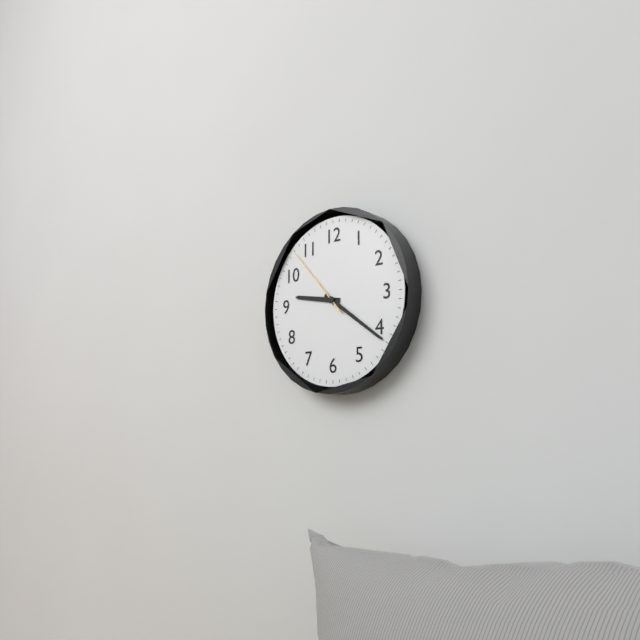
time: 9:21:53
